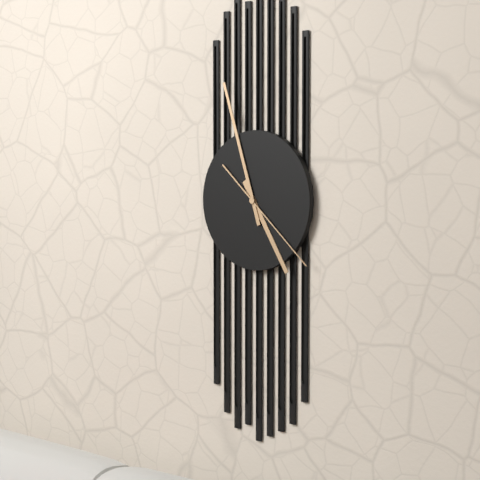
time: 4:57:22
